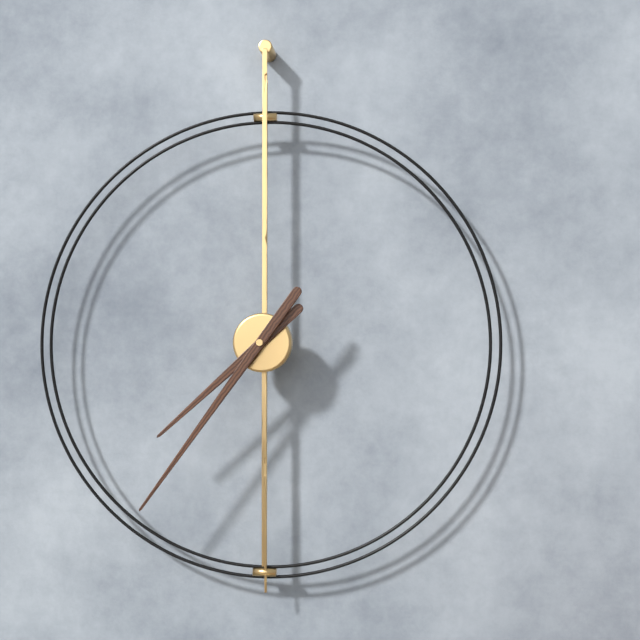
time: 7:36
